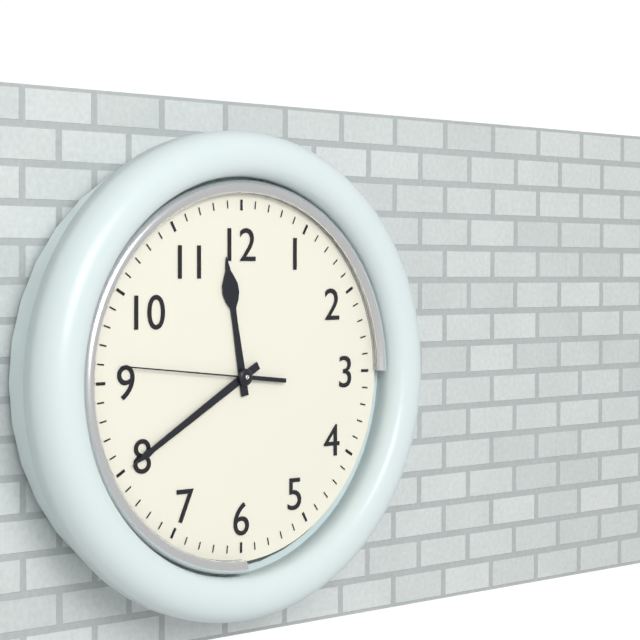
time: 11:40:46
